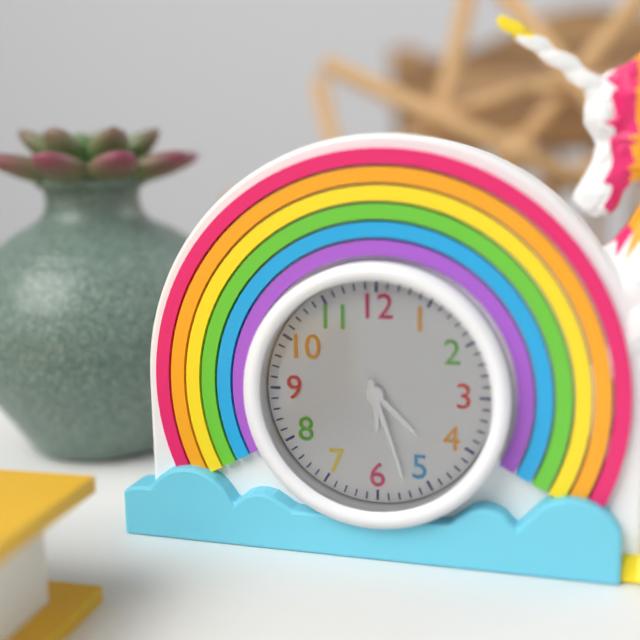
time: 4:27
